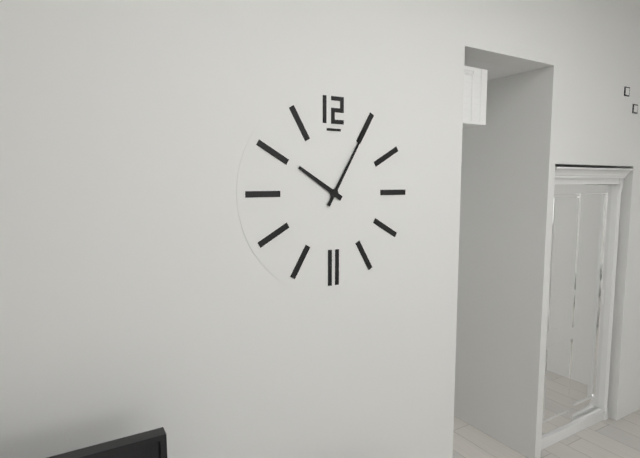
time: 10:05
